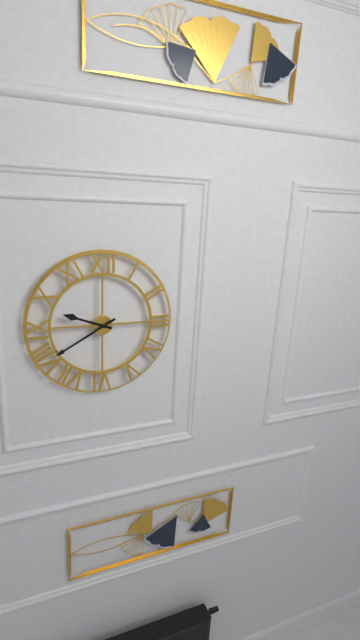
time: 9:40
